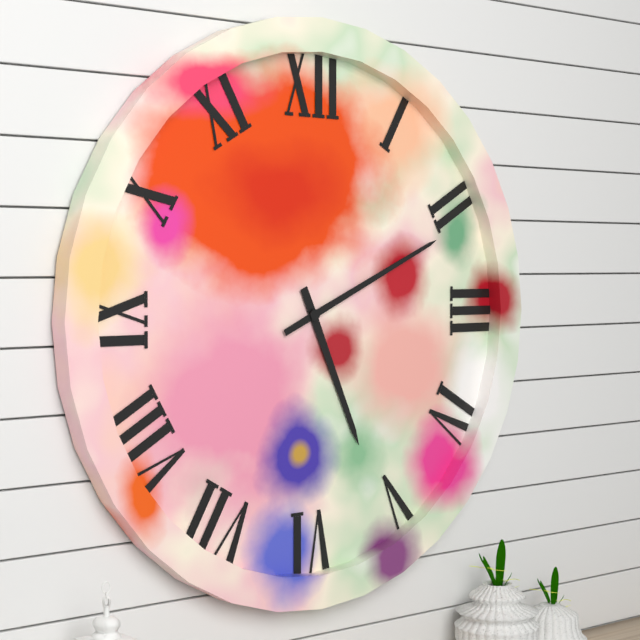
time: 5:11
